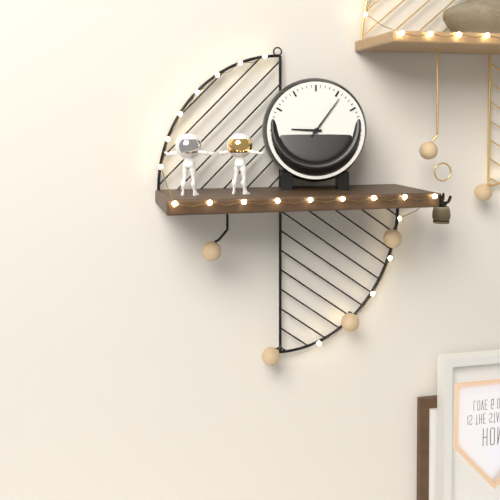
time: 9:06
